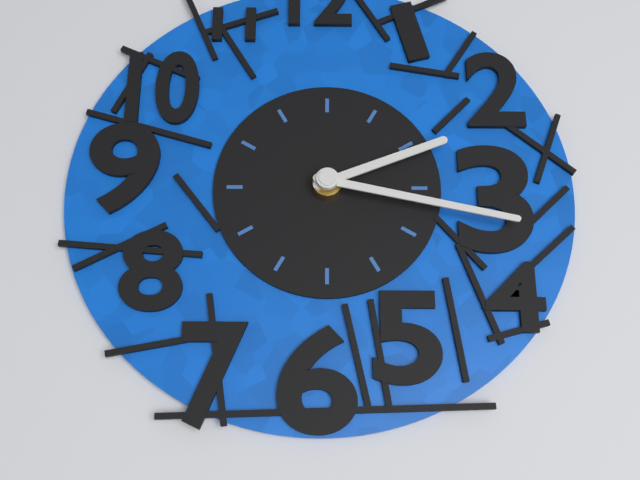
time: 2:17
